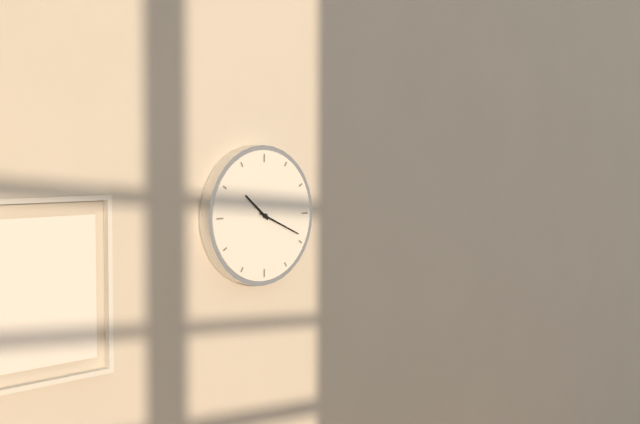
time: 10:19
